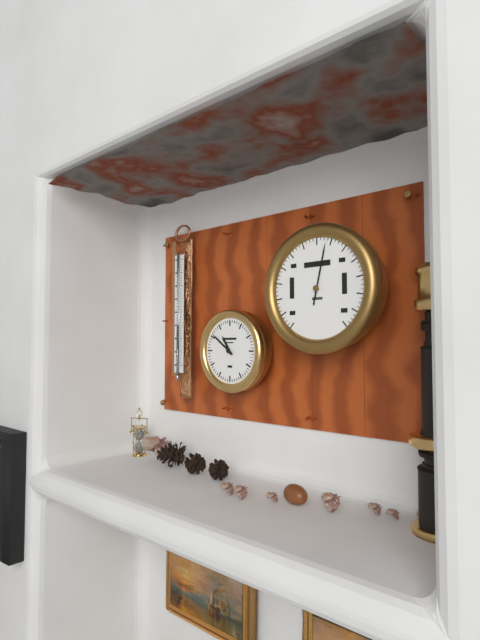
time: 10:51
